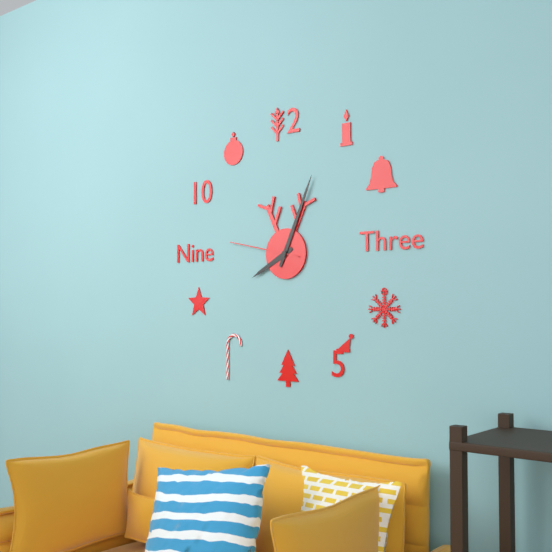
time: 8:04:47
